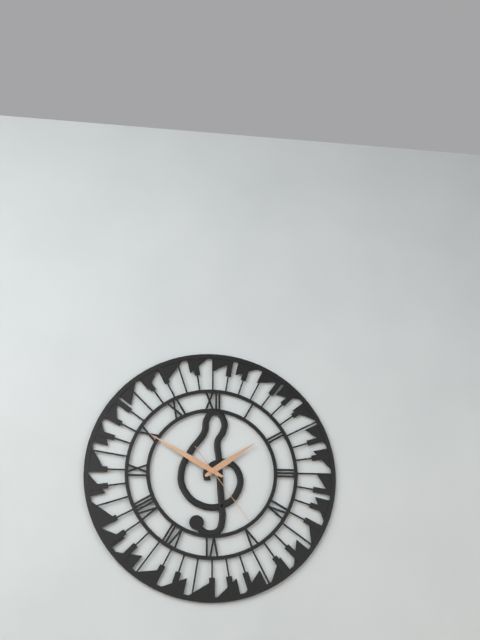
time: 1:50:24
